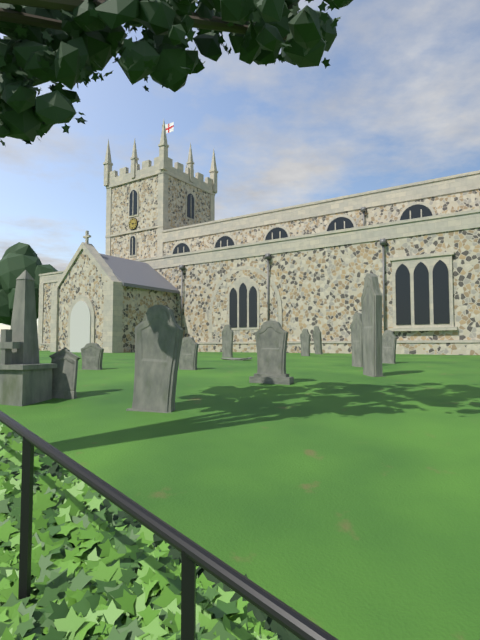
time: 2:53
